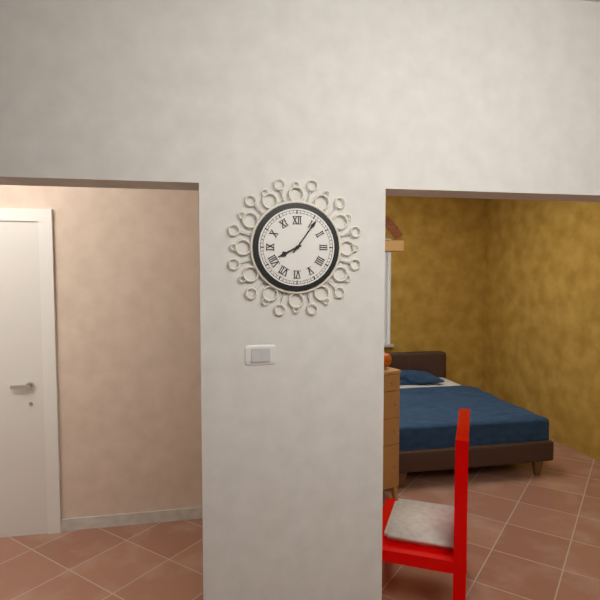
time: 8:06
